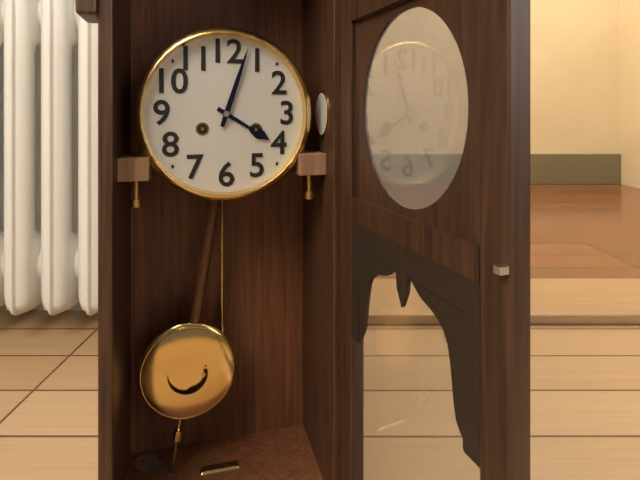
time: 4:03
